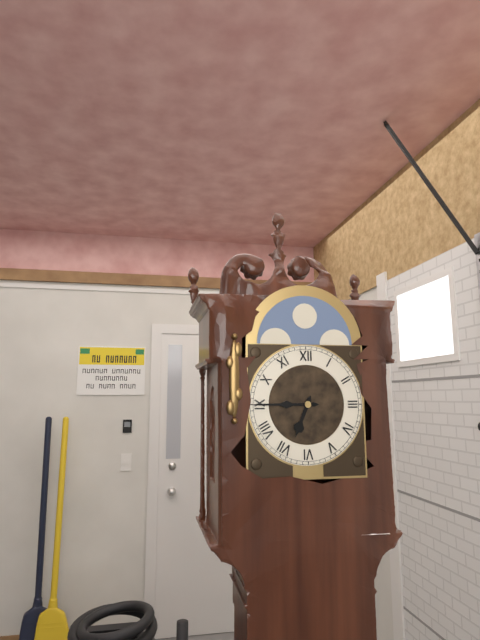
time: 6:45
